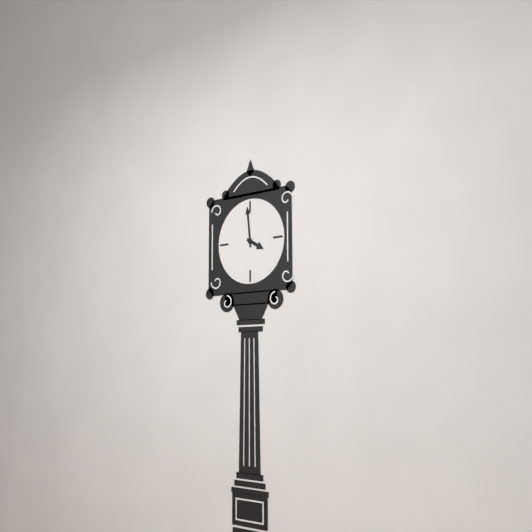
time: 3:59
